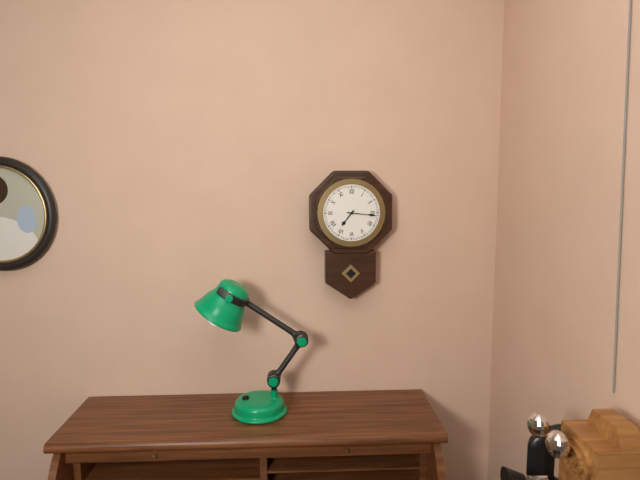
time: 7:16
